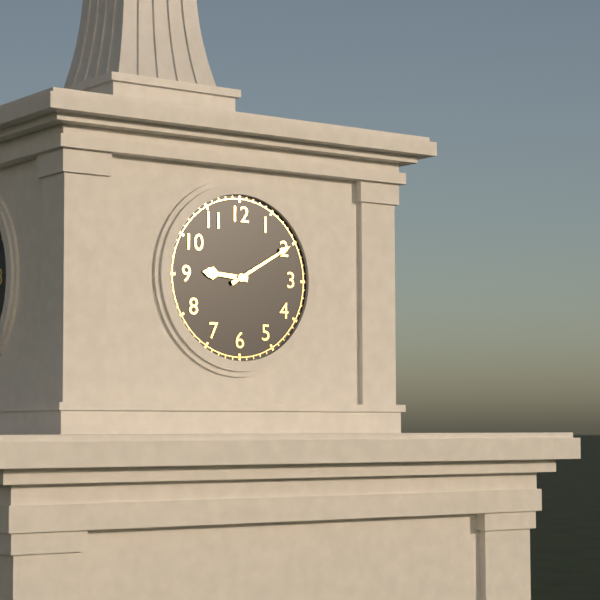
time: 9:10
